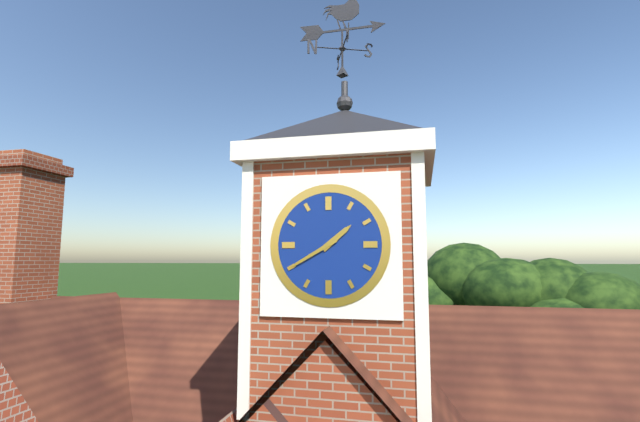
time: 1:40
